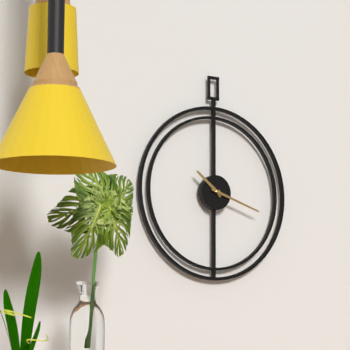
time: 10:18
